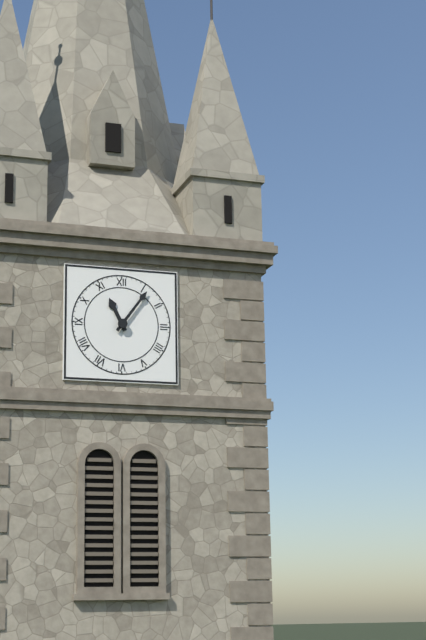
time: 11:06
